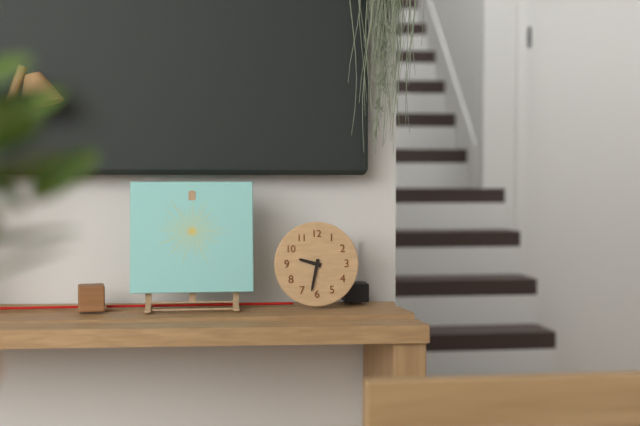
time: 9:32
